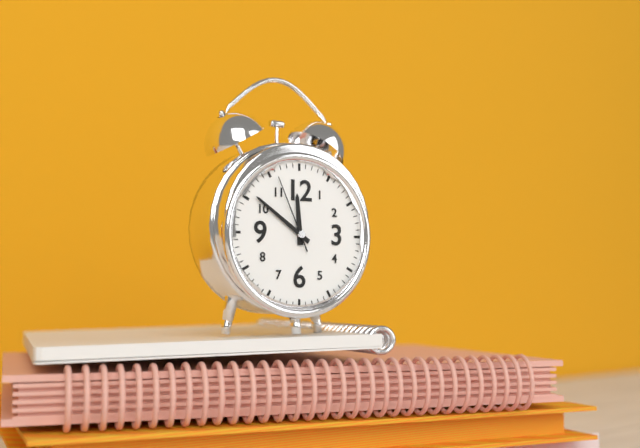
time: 11:51:56
